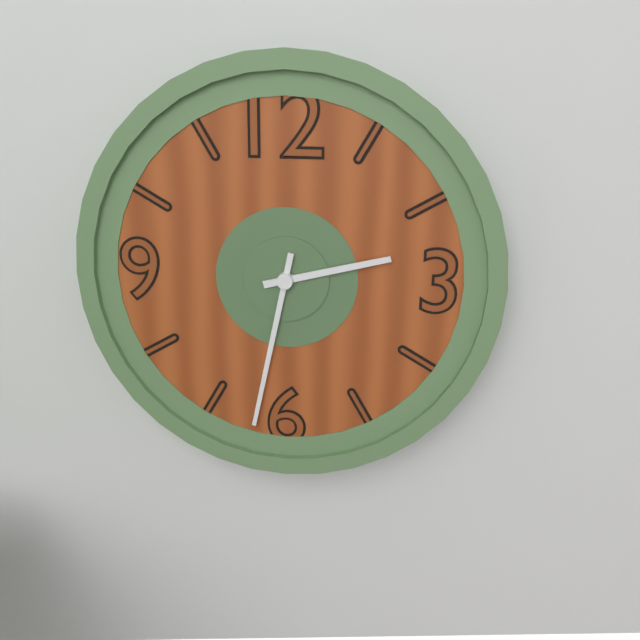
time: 2:32
